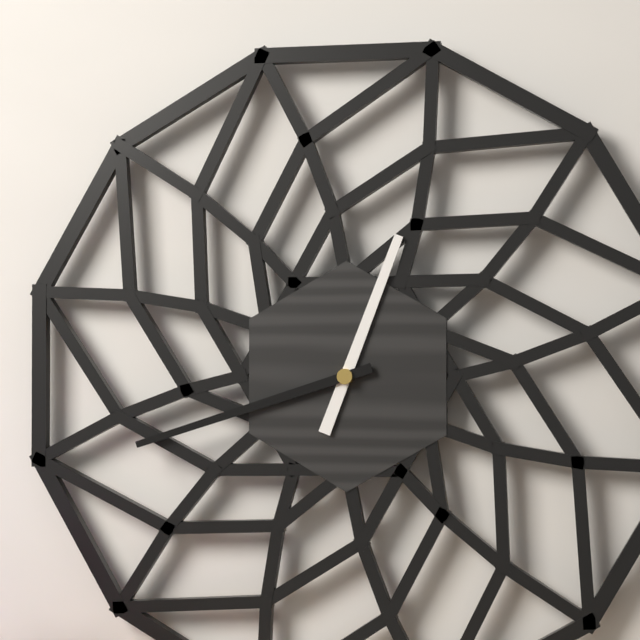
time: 12:42
